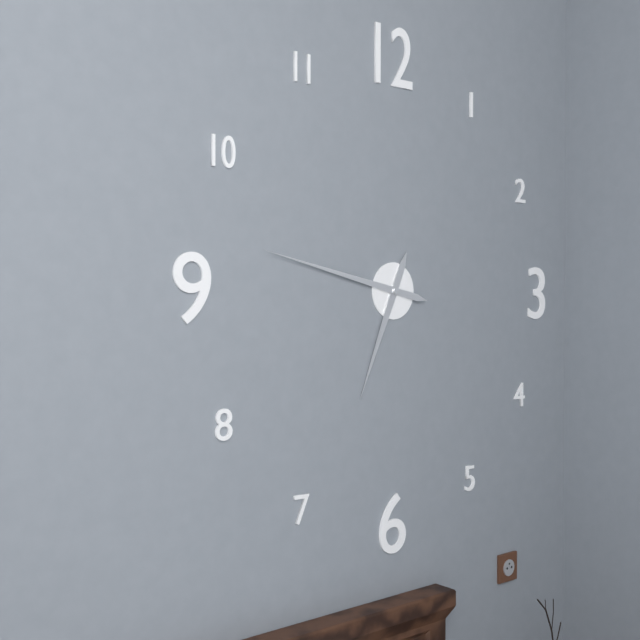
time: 6:47
